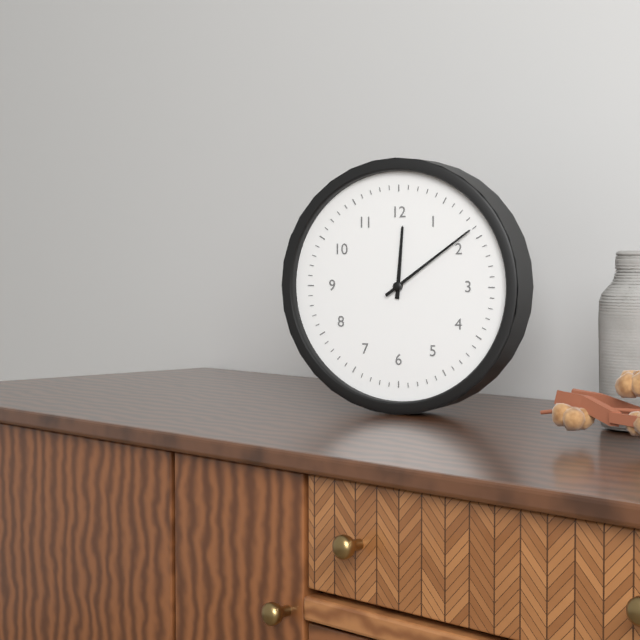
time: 12:09
